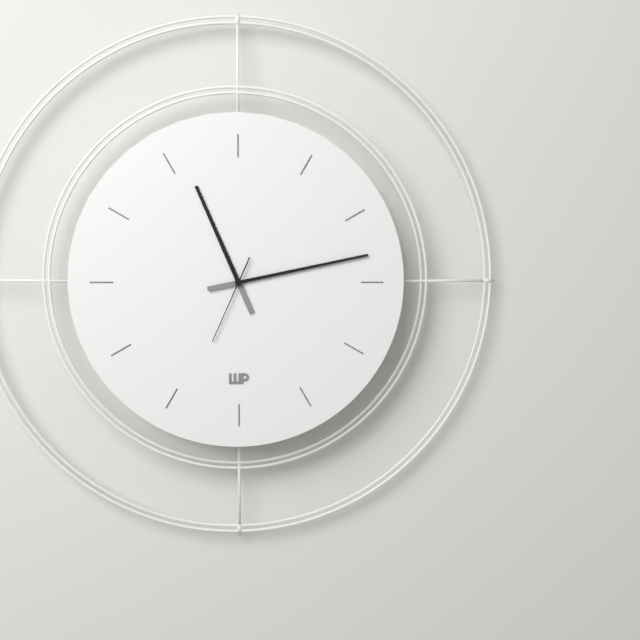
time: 11:13:34
